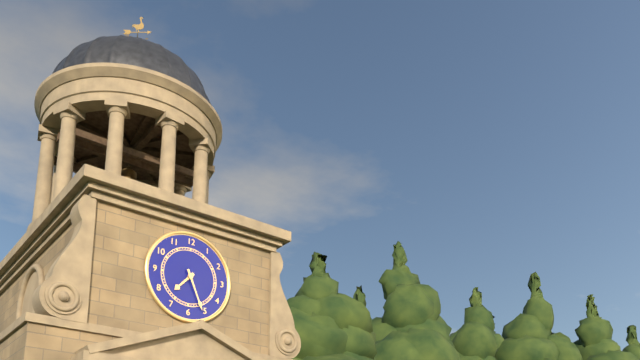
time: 7:26
